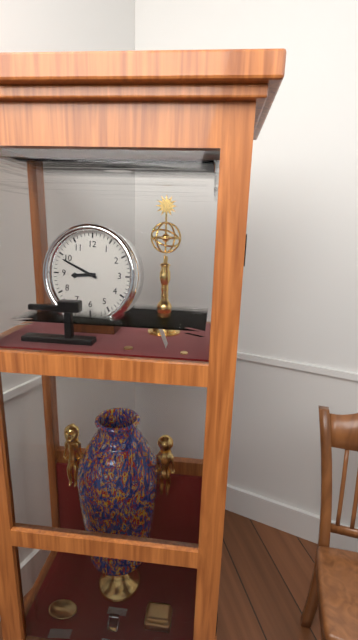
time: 8:49
